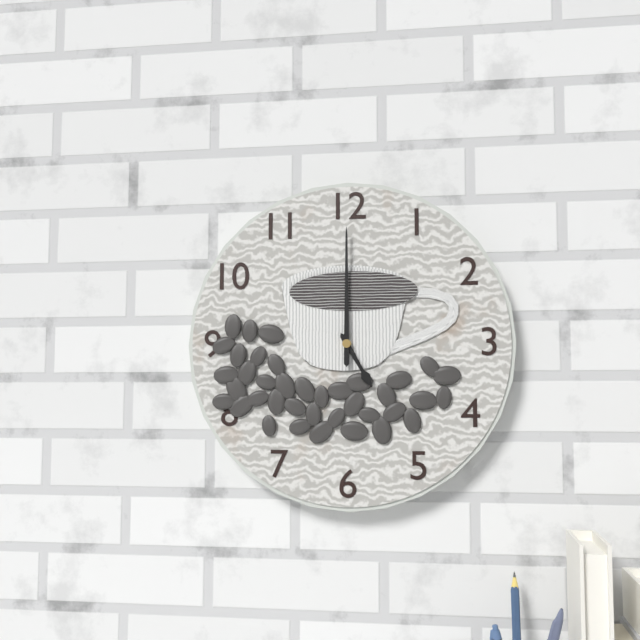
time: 5:00
